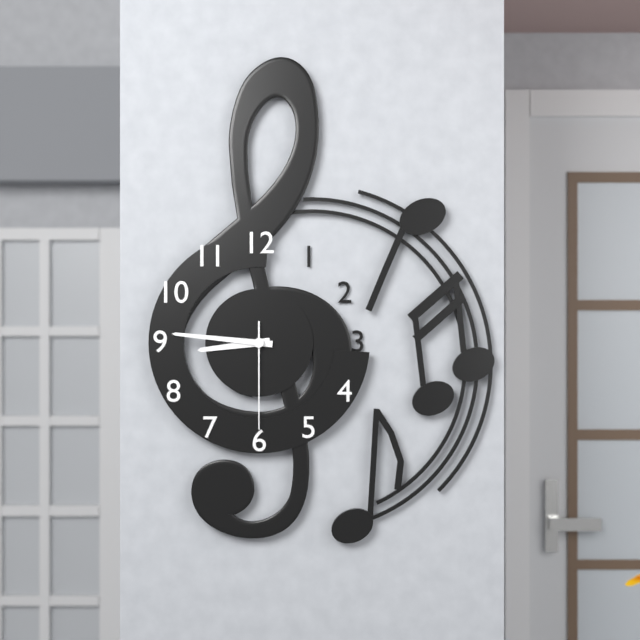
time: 8:46:30
